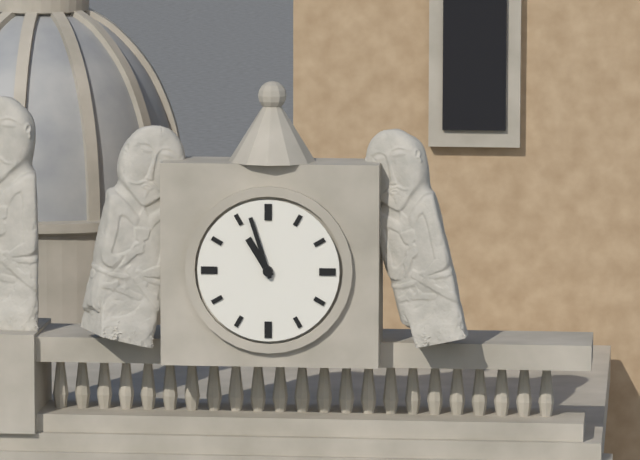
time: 10:57
